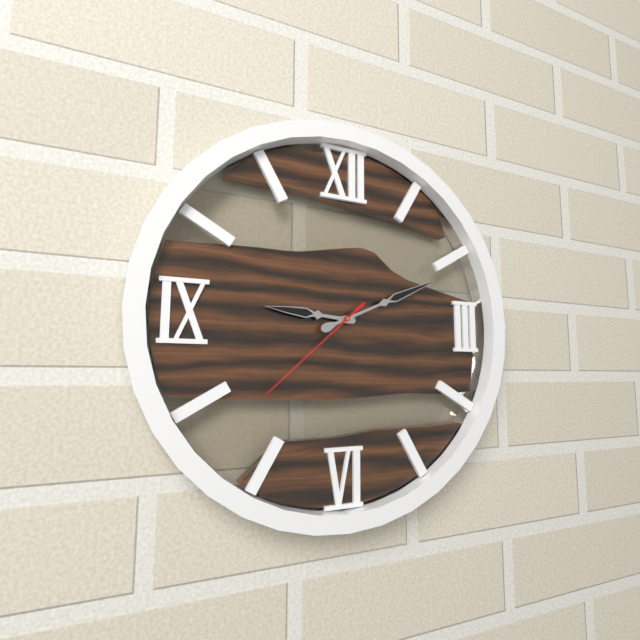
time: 9:11:38
